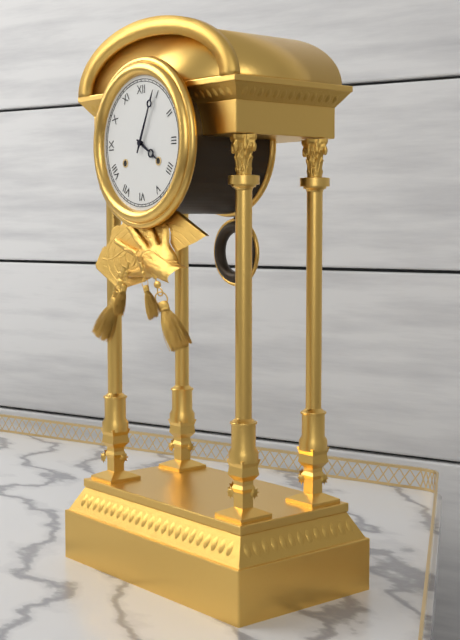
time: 4:04
